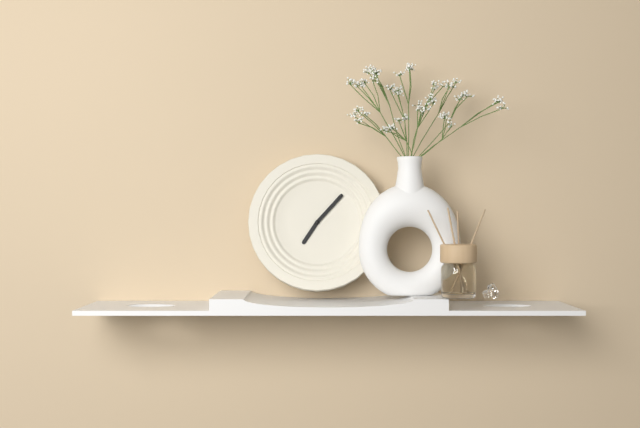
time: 7:07
